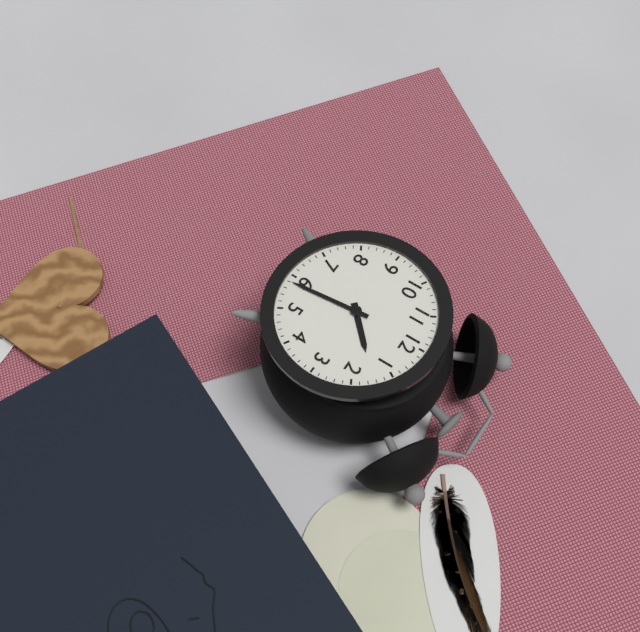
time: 1:29
